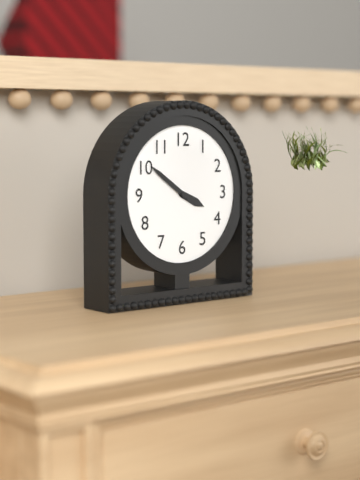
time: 3:51
